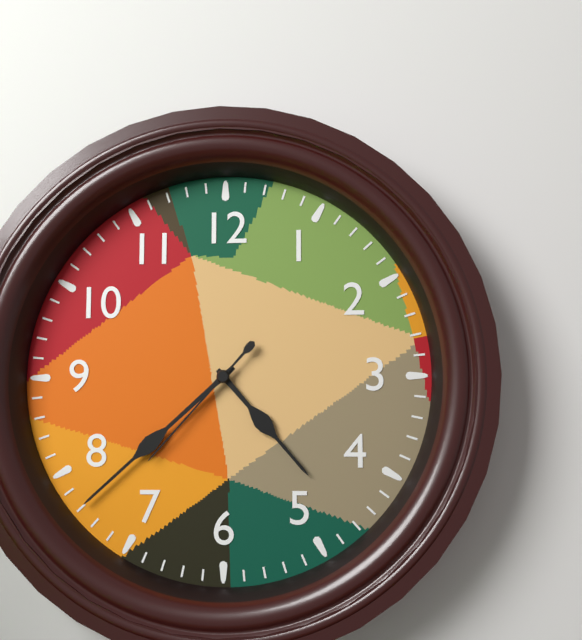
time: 4:38:37
